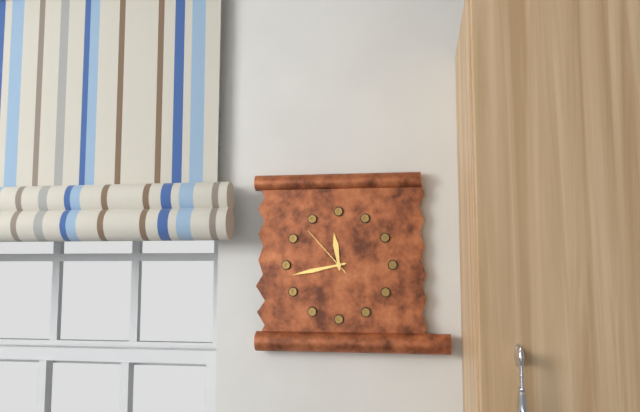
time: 11:43:53
